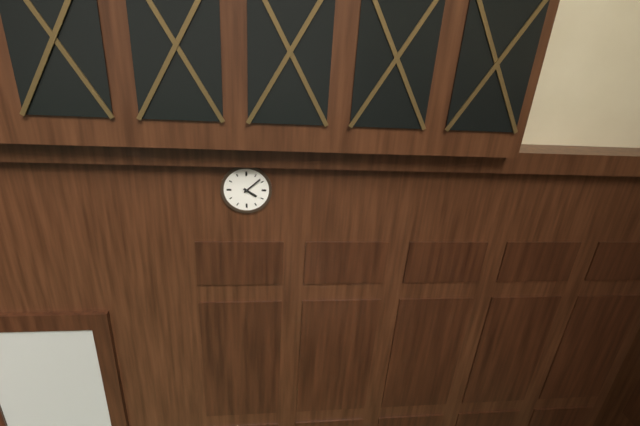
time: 4:08
